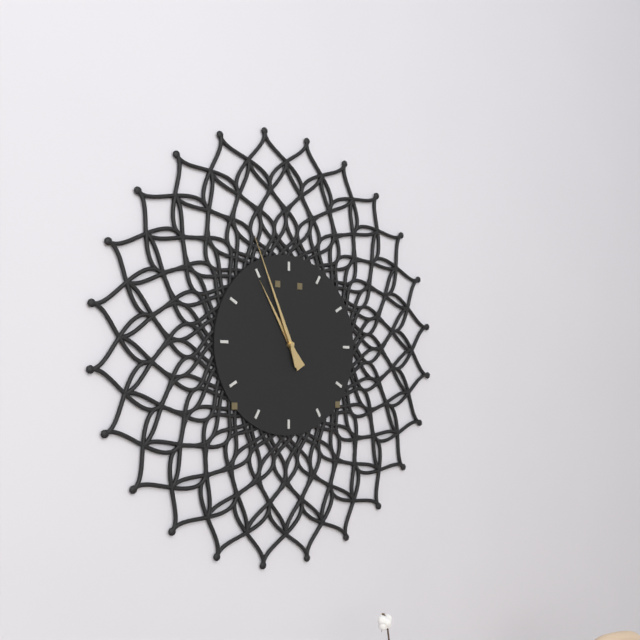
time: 10:56
